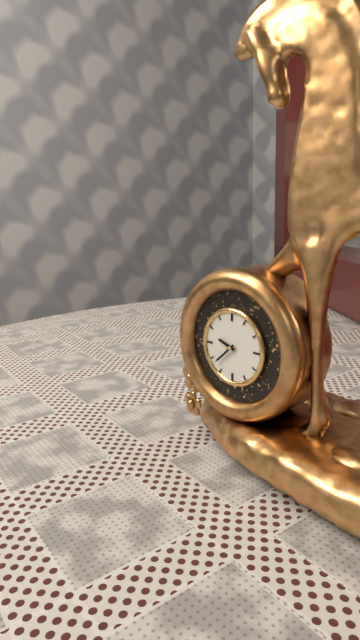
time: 9:38
